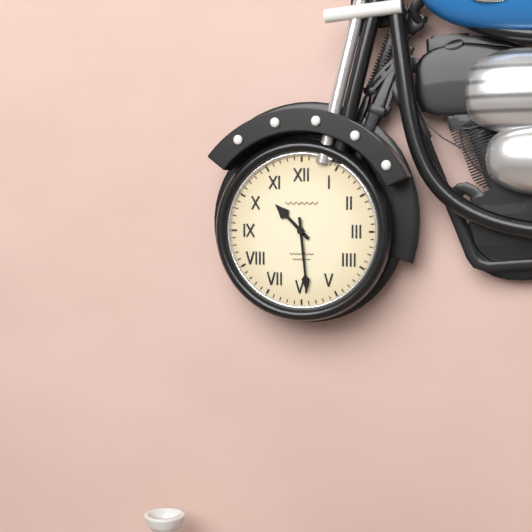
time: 10:29
